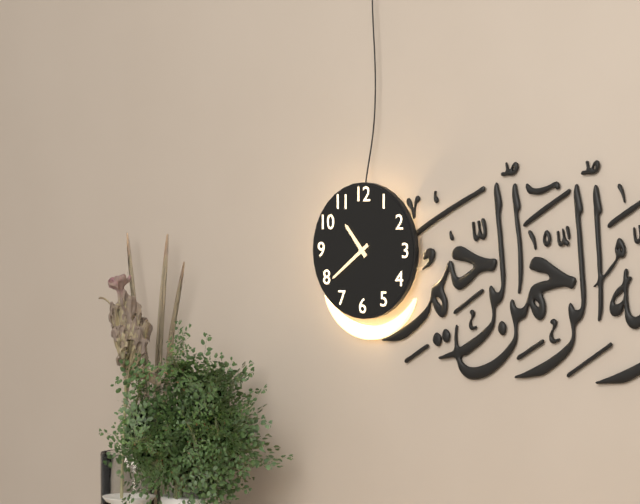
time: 10:39
